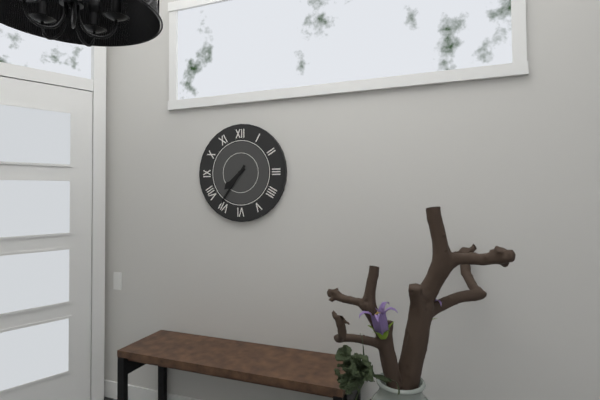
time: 7:36
